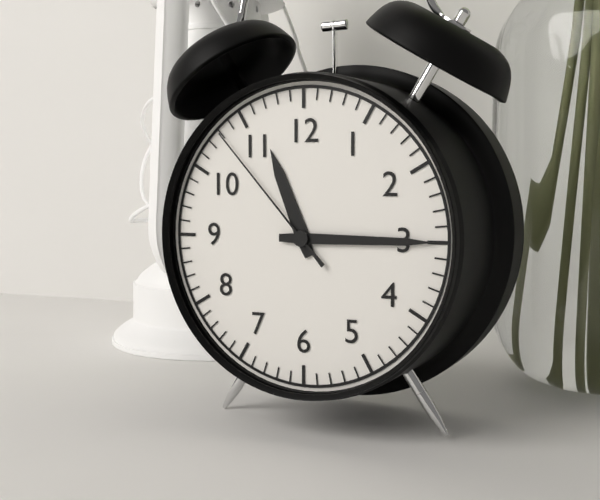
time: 11:15:53
